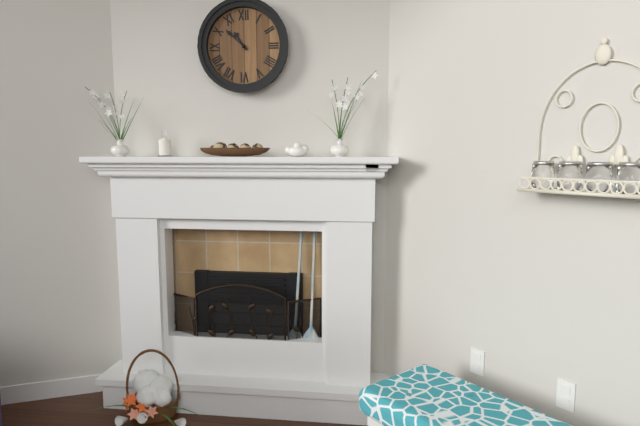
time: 10:52
